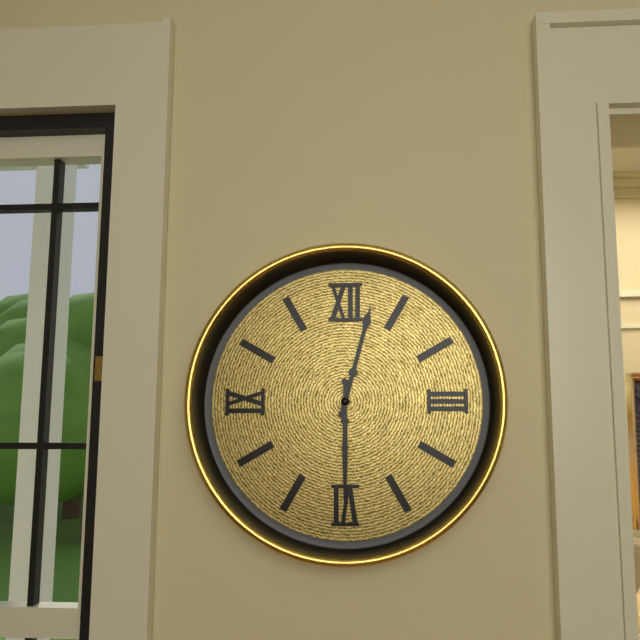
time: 12:30
